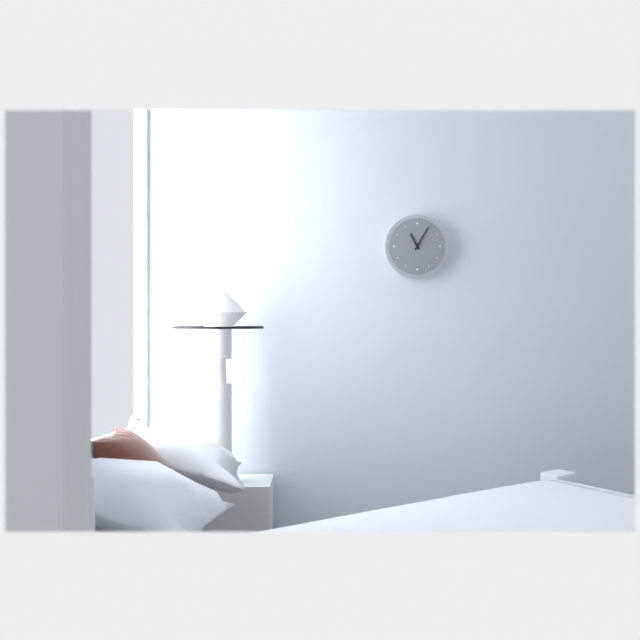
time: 11:05
